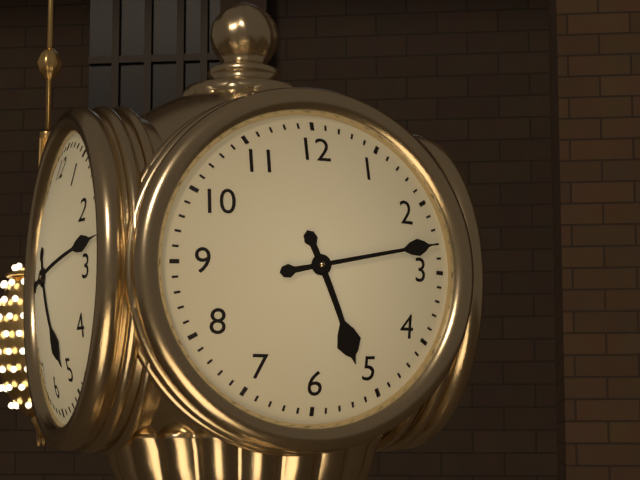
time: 5:13
